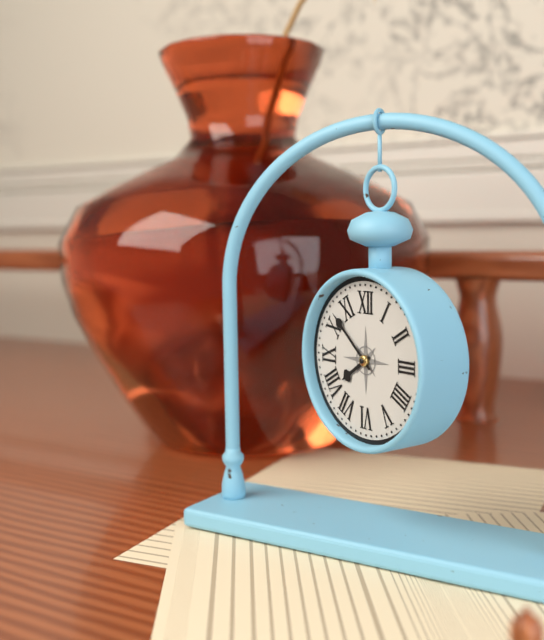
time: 7:52
